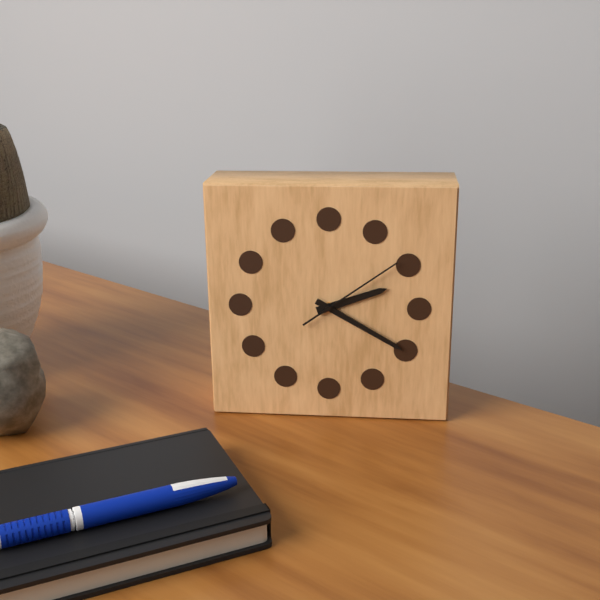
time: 2:20:09
